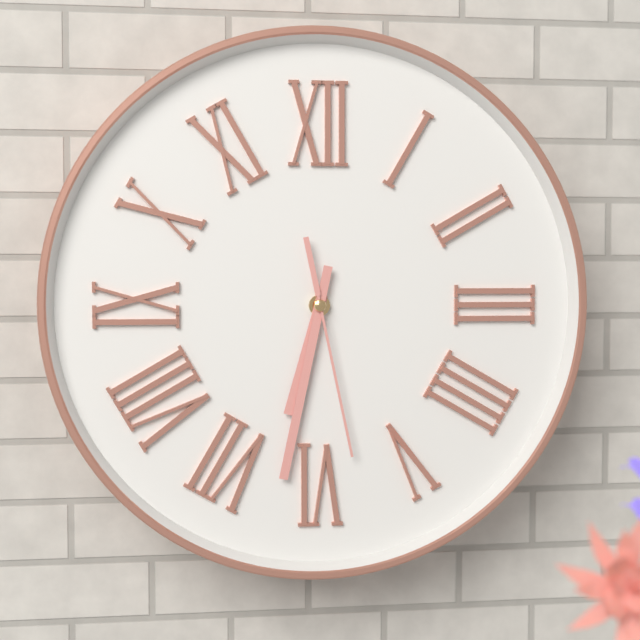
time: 6:32:28
